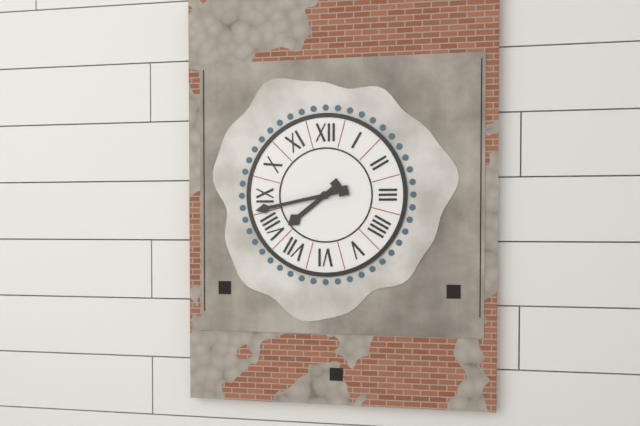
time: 7:43
